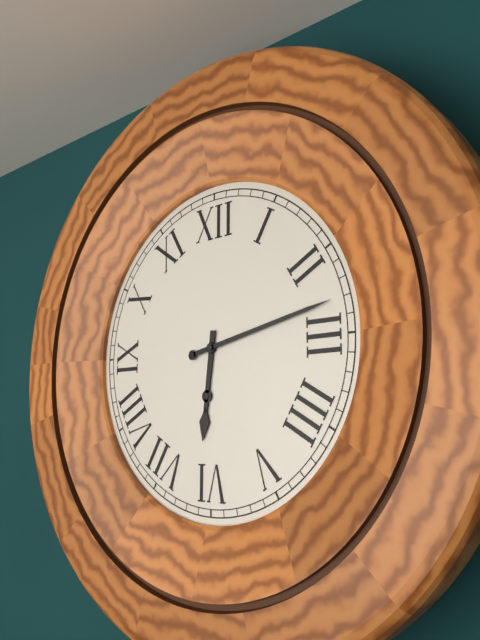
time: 6:13
